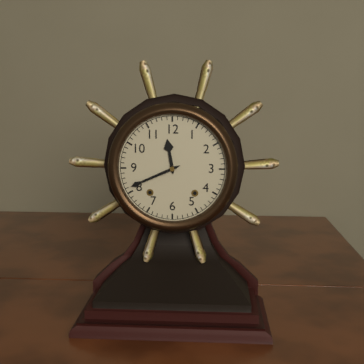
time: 11:41
